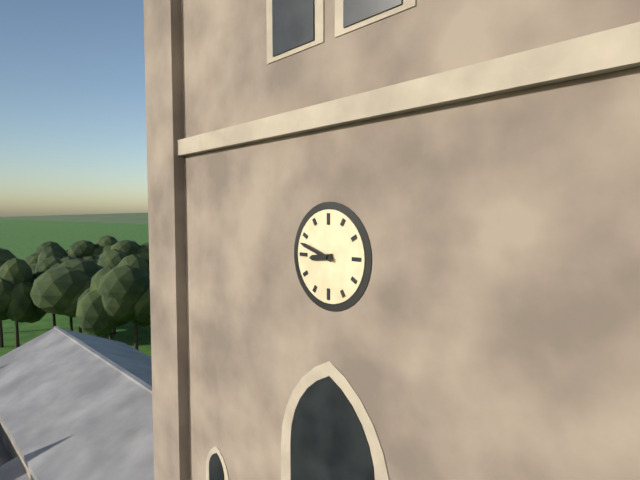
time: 8:48
